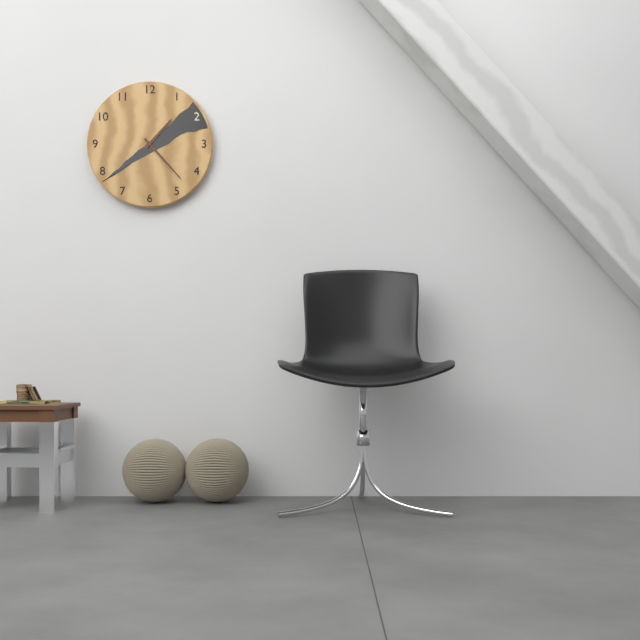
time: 1:23
